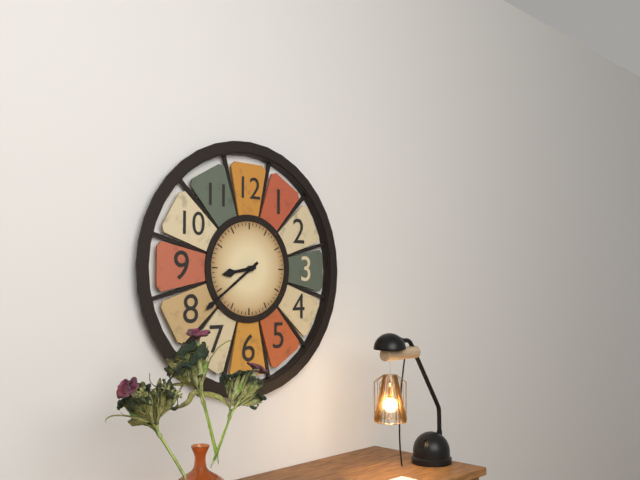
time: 8:39
